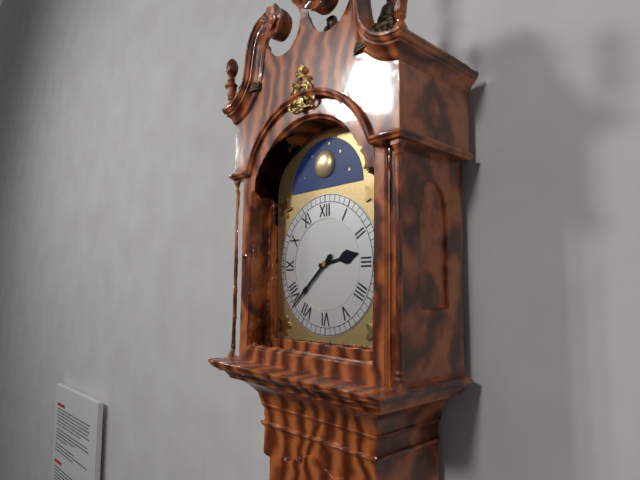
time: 2:38
